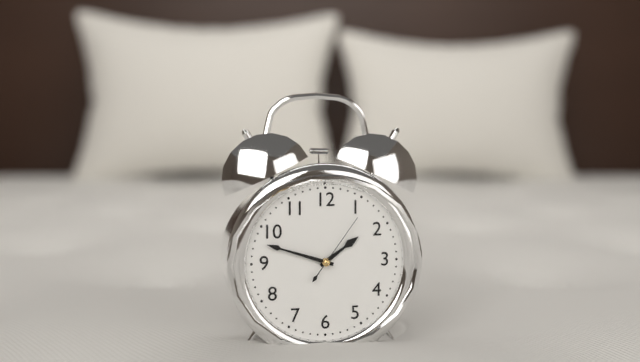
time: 1:48:06
